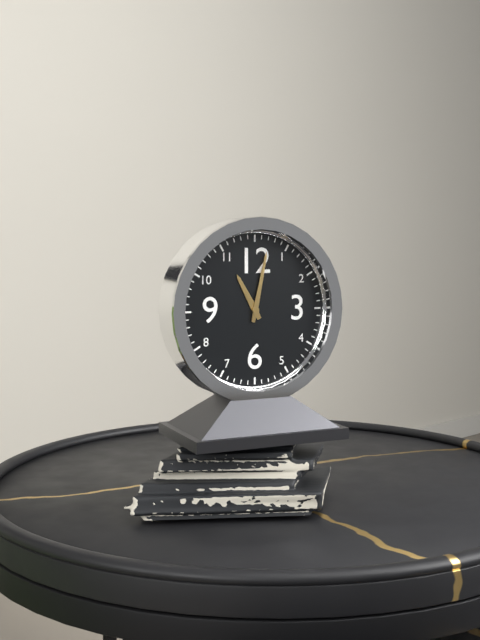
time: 11:02
